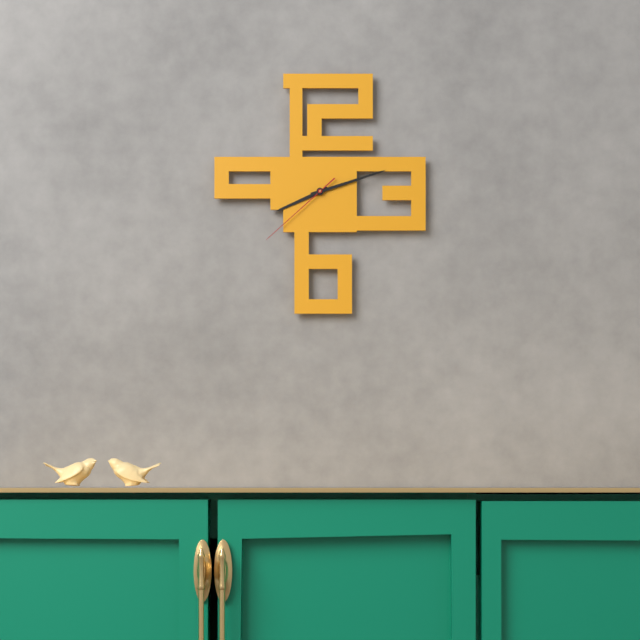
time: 8:12:38
